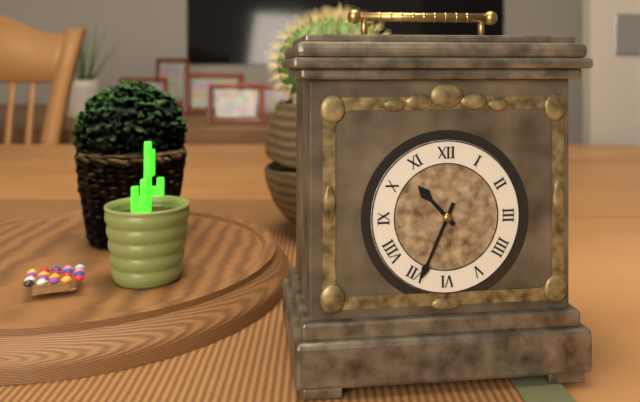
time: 10:34
